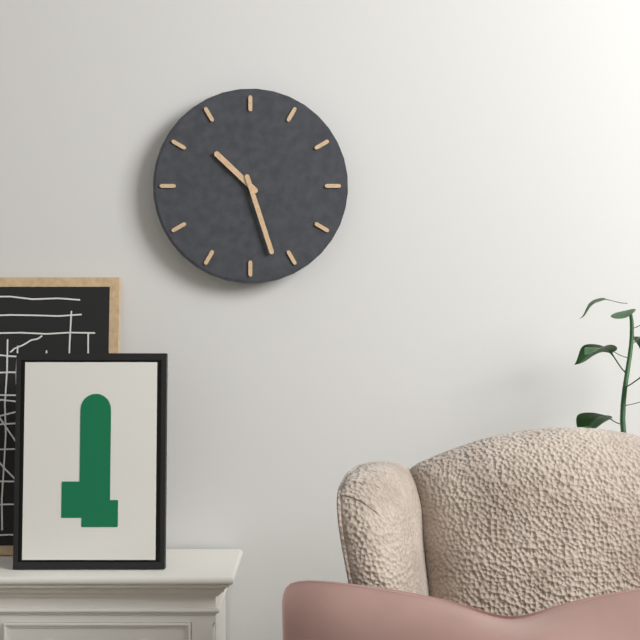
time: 10:27
